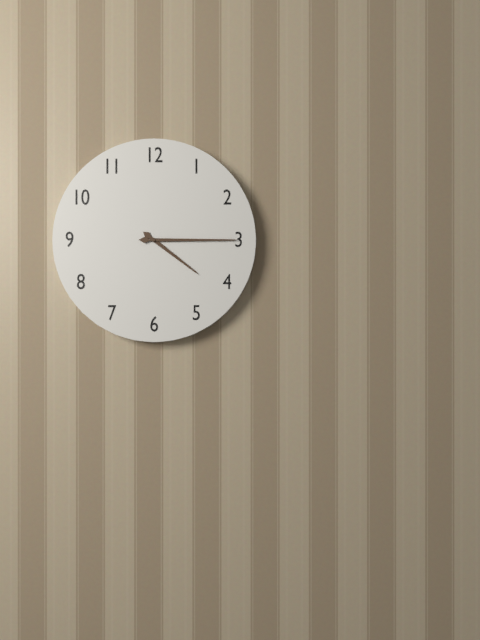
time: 4:15
